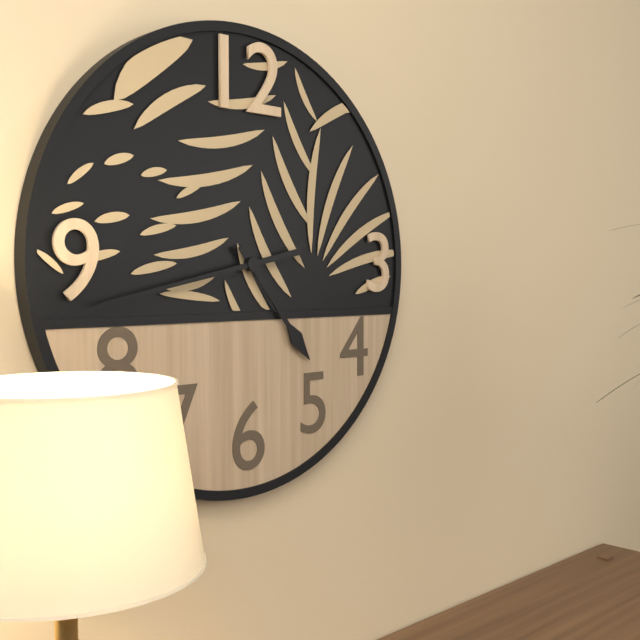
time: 4:43
